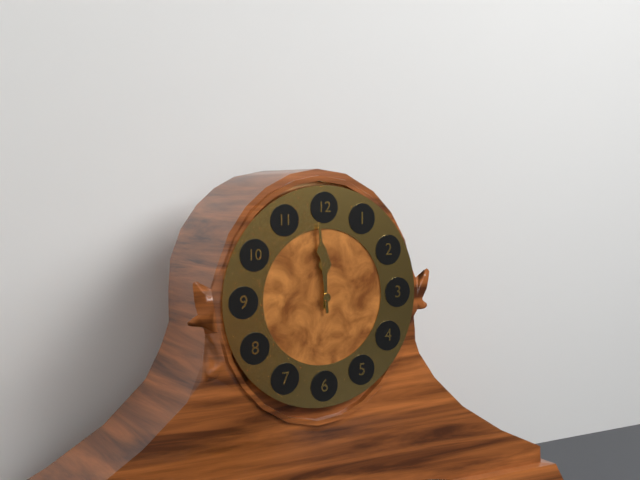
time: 11:59
